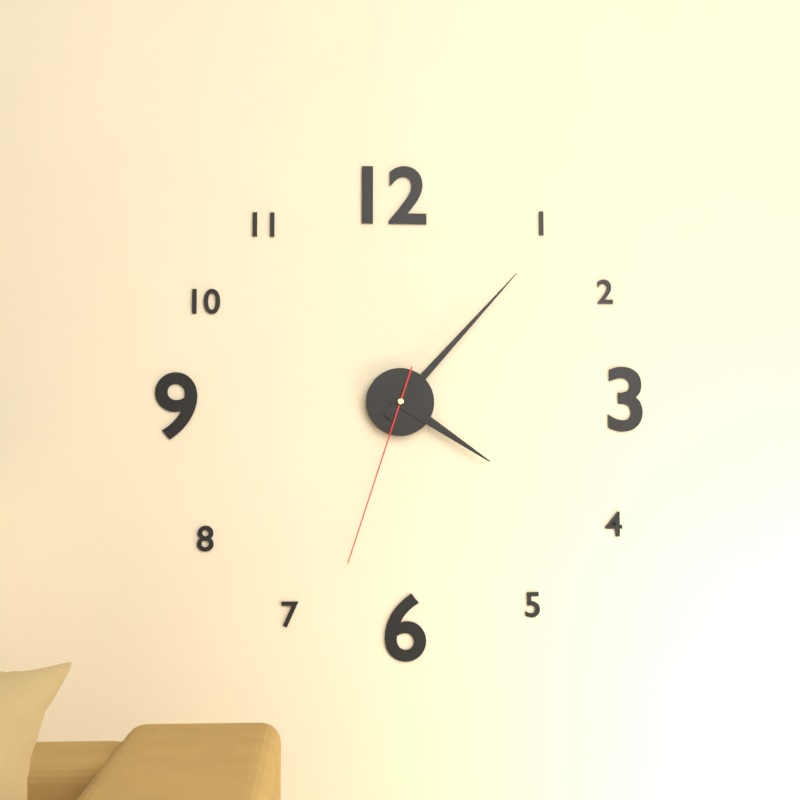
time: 4:07:33
